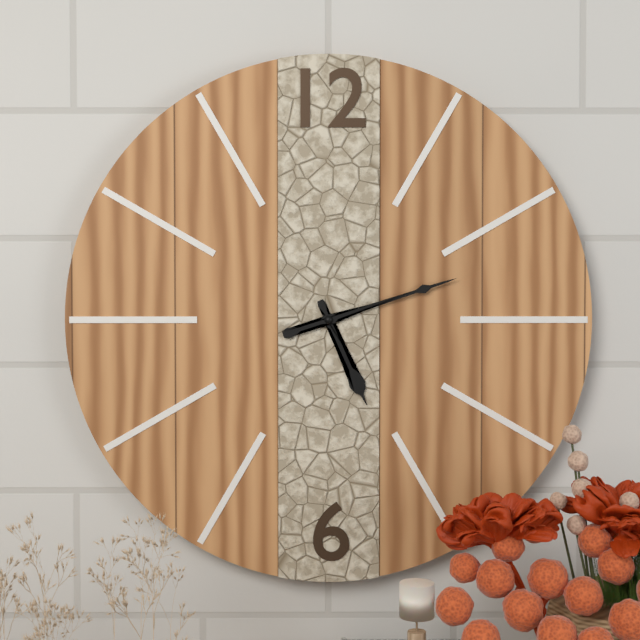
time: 5:12
